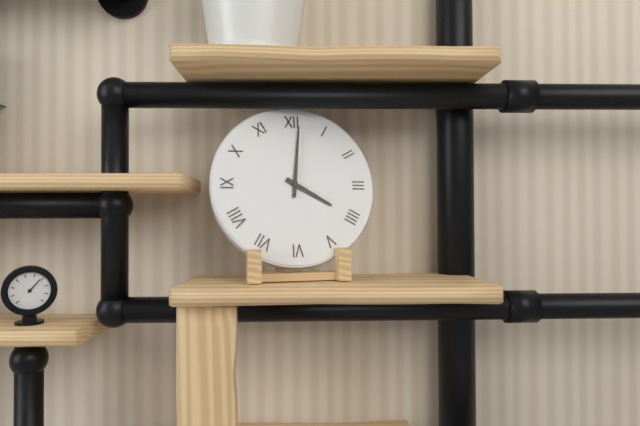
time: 4:01
